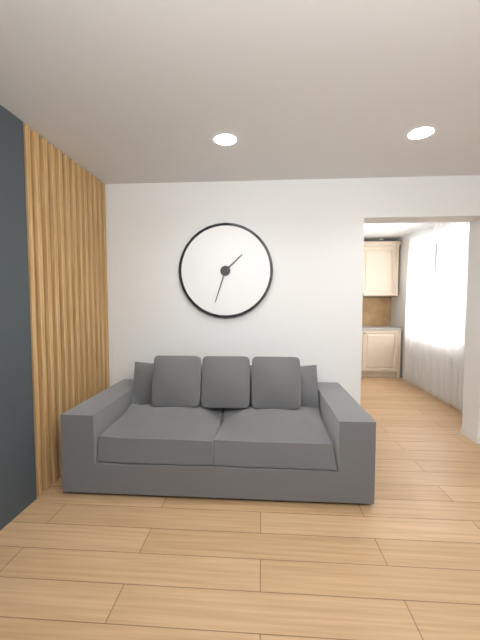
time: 1:33
